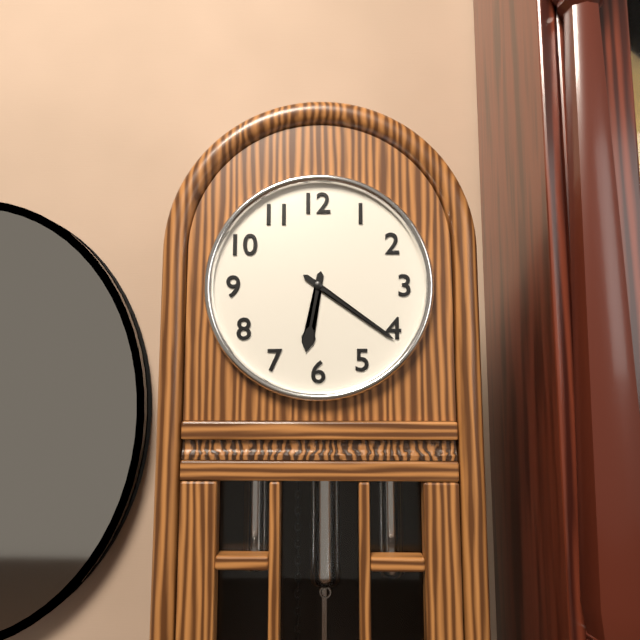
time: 6:21
